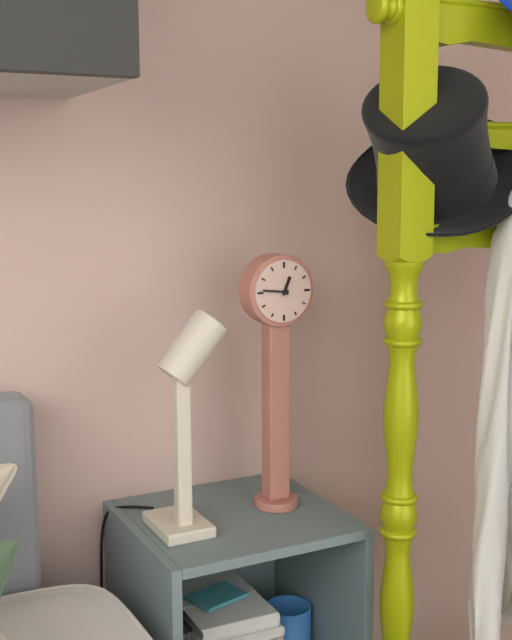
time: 12:46
